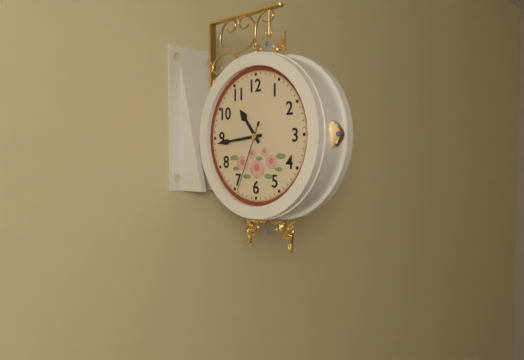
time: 10:44:34
